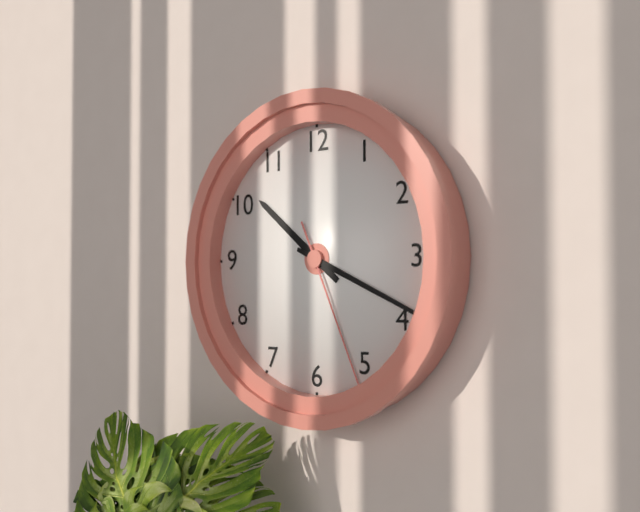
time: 10:19:26
